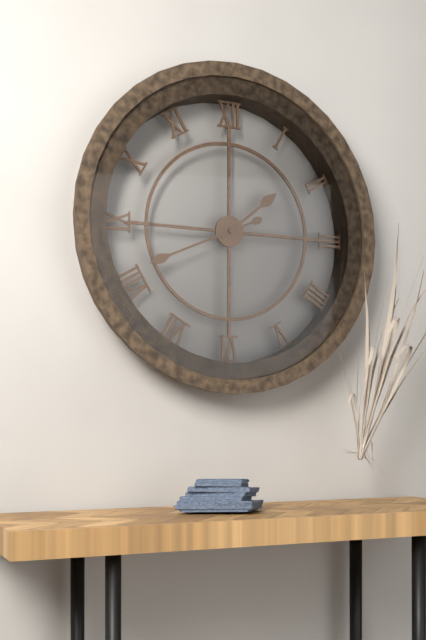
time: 1:41
